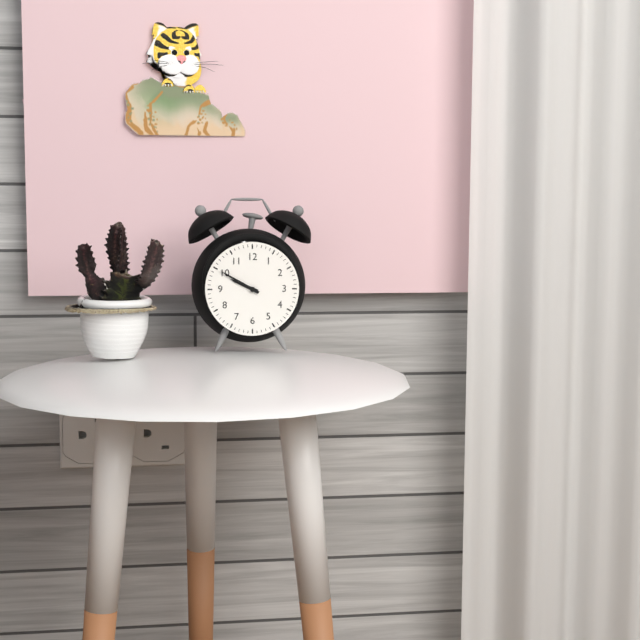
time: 9:50
